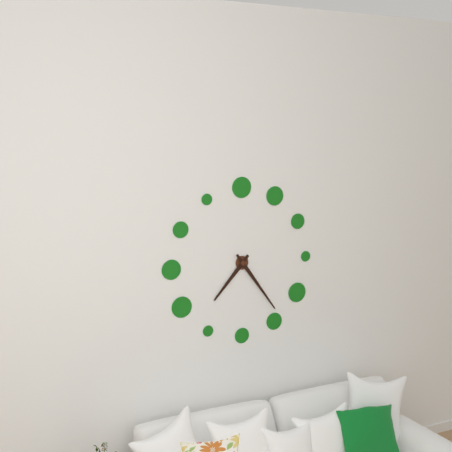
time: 7:24
